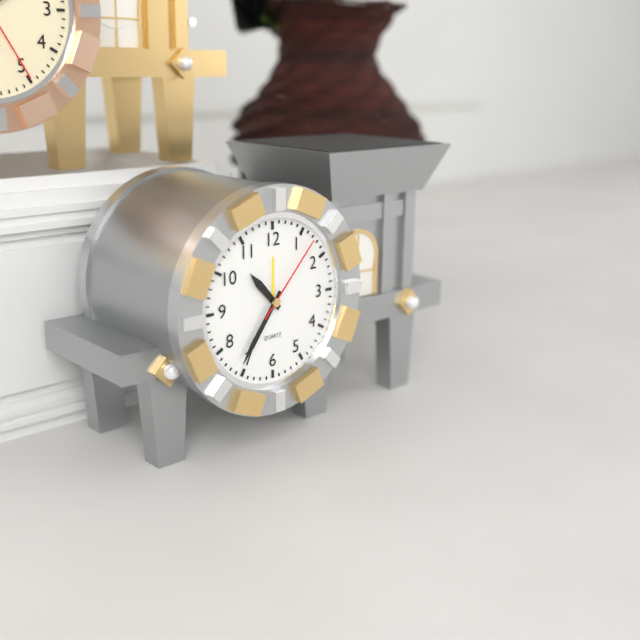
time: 10:36:07
